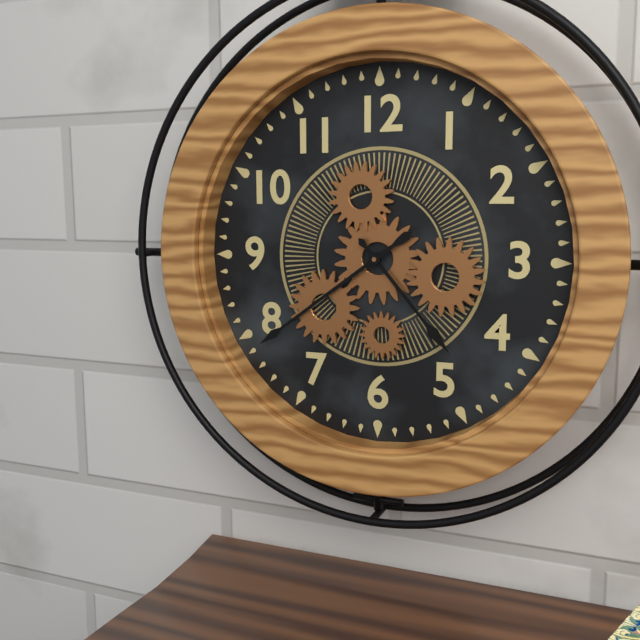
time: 4:39
